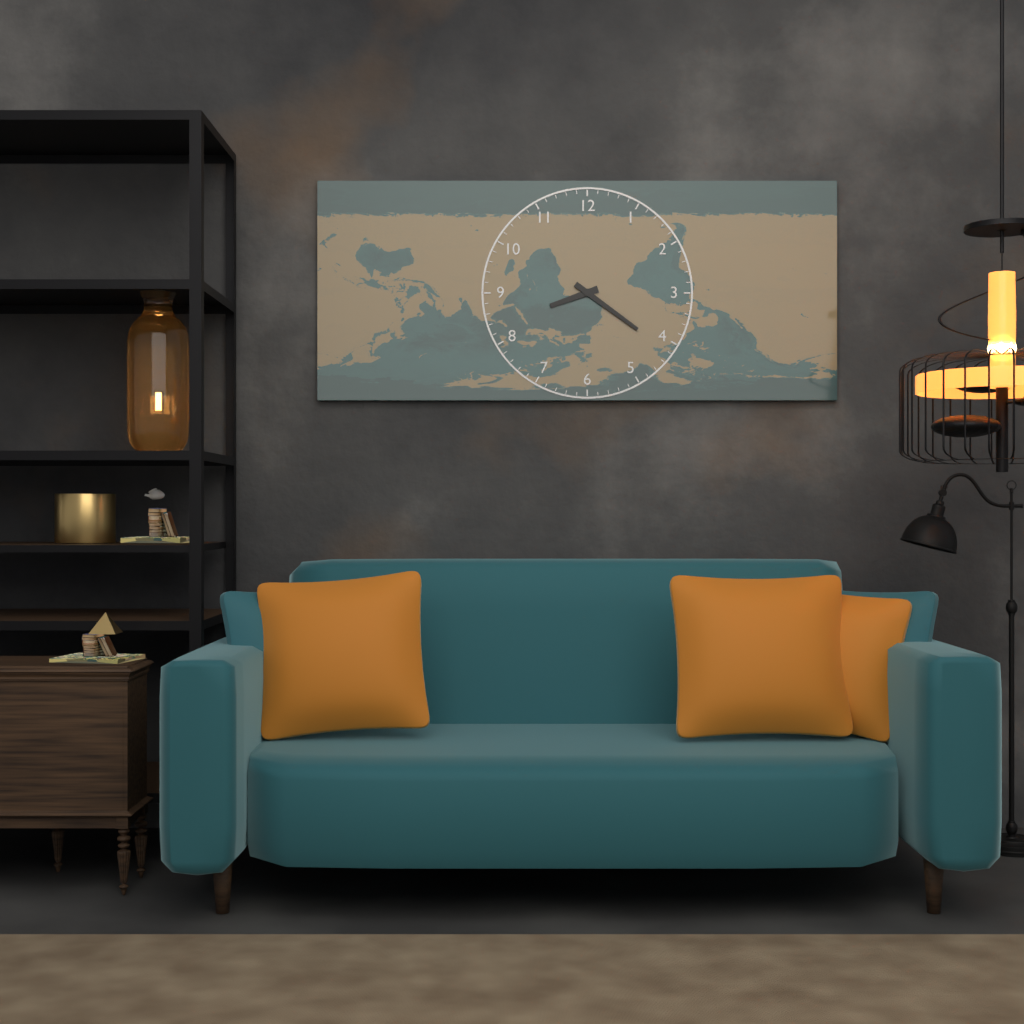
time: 8:21
